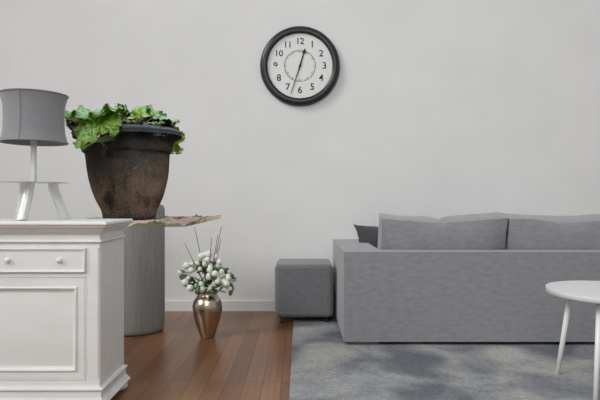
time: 12:33
